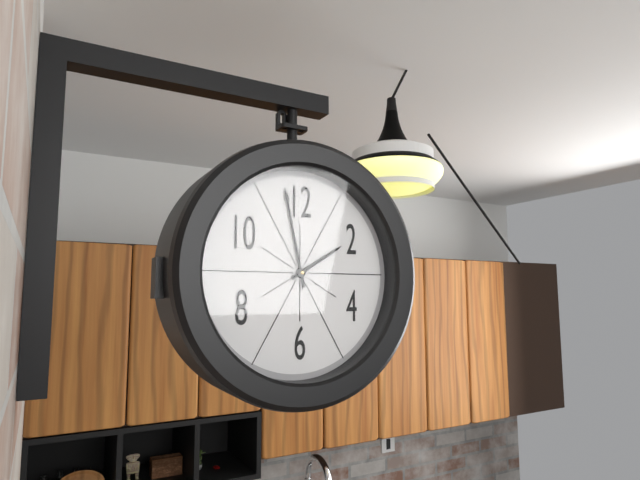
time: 1:58
